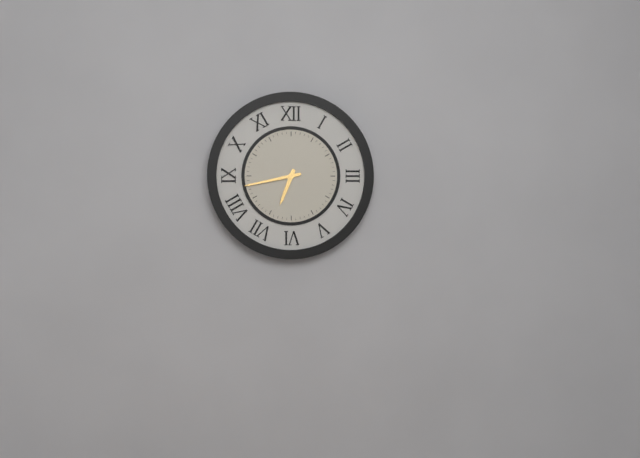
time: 6:43
